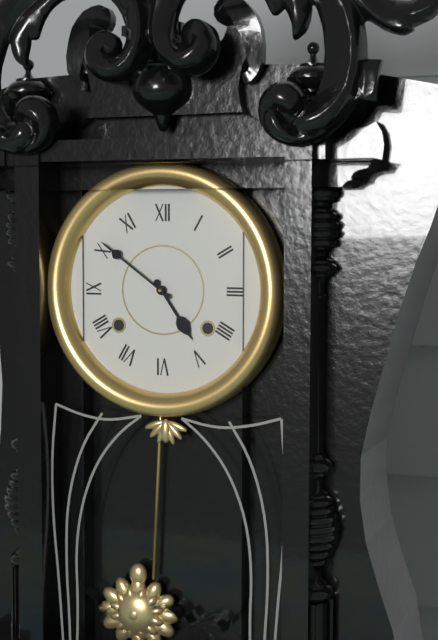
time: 4:51
